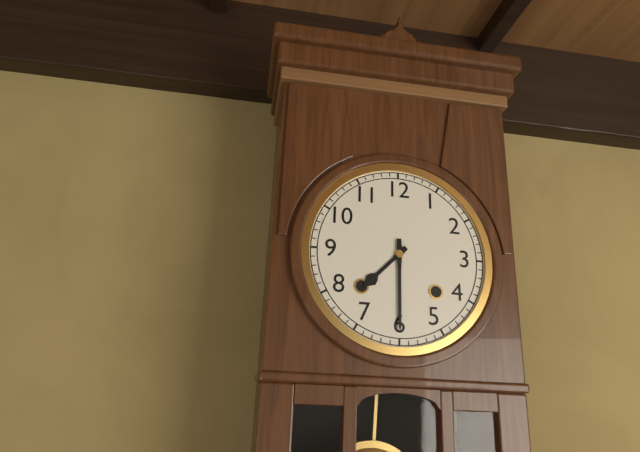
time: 7:30
